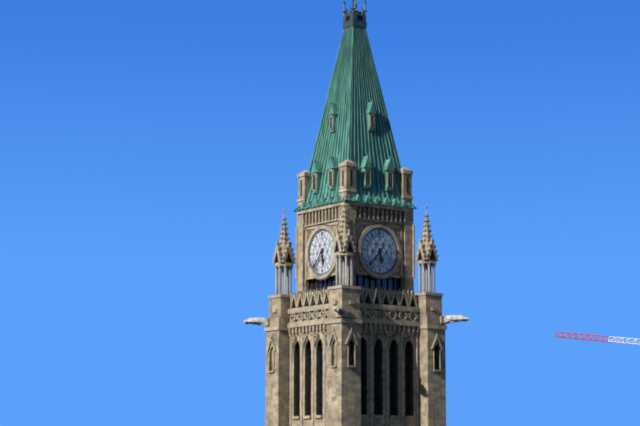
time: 5:37
